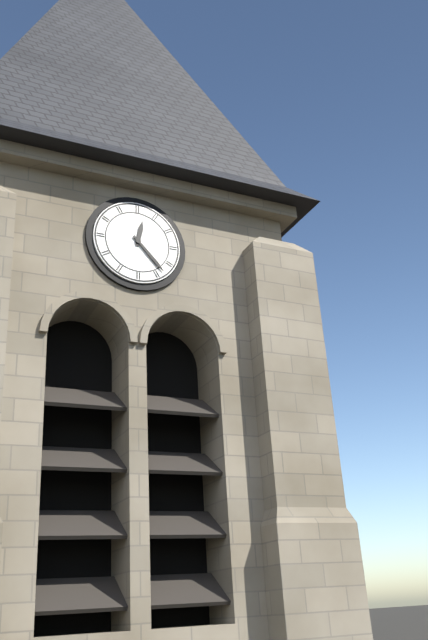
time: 12:23
